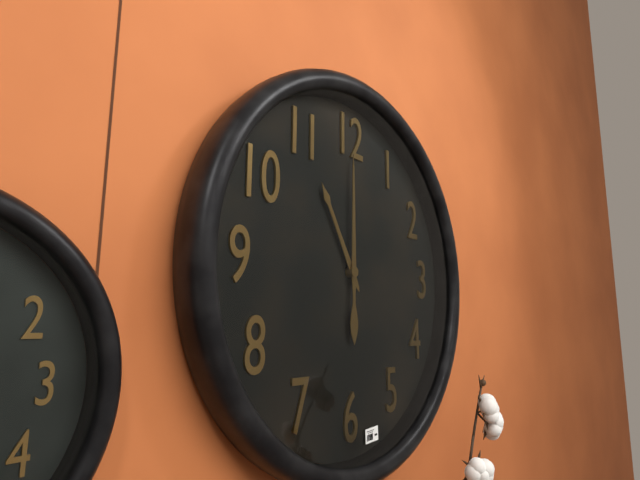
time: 11:00
